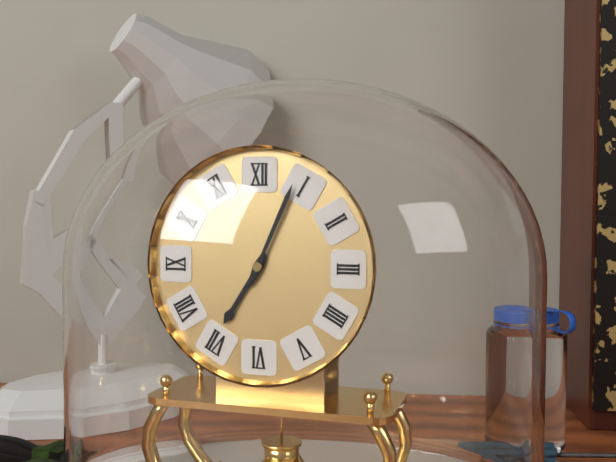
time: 7:04
